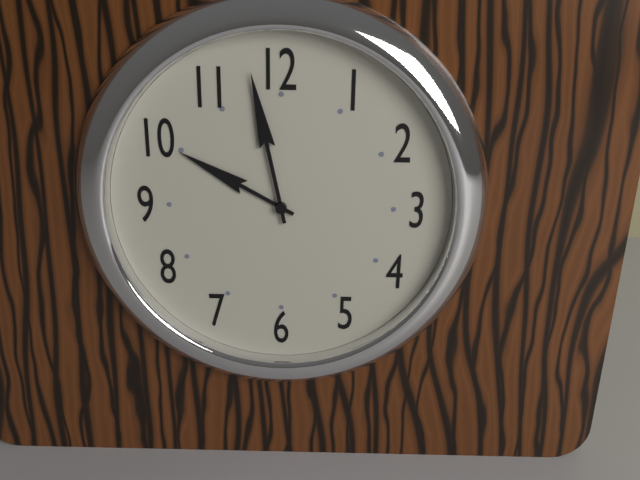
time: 9:58
